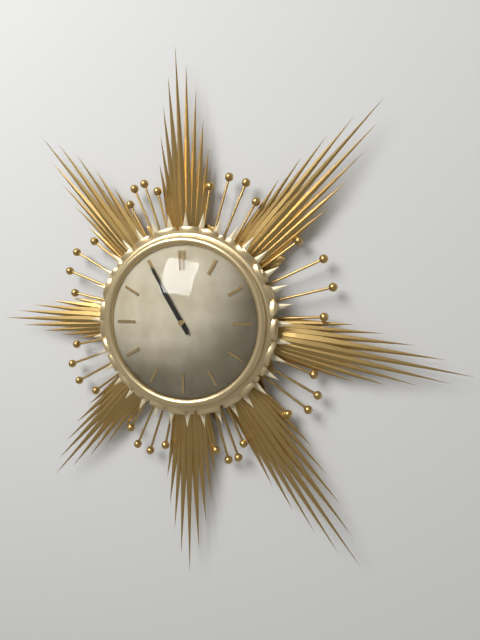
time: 10:55
